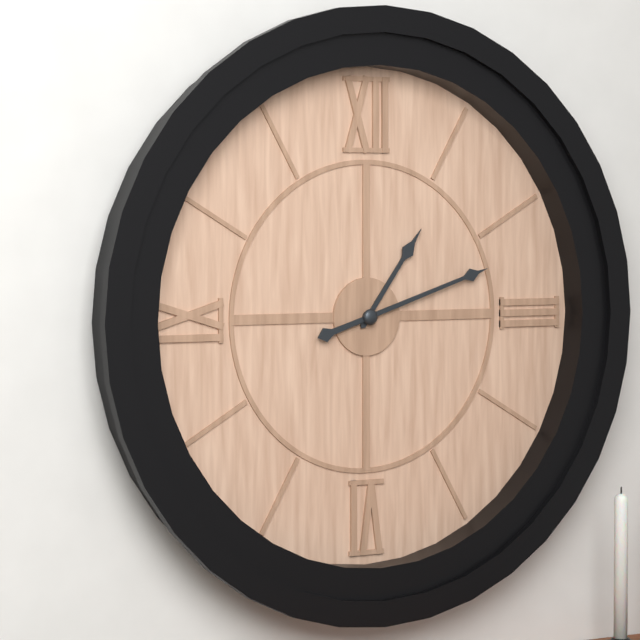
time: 1:12
